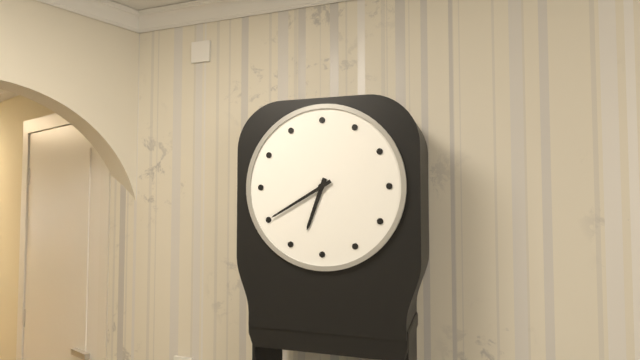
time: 6:40
